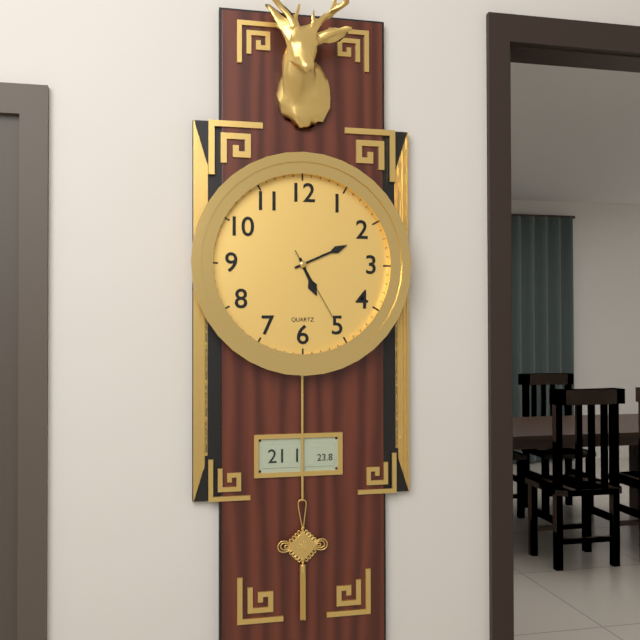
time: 5:11:25
